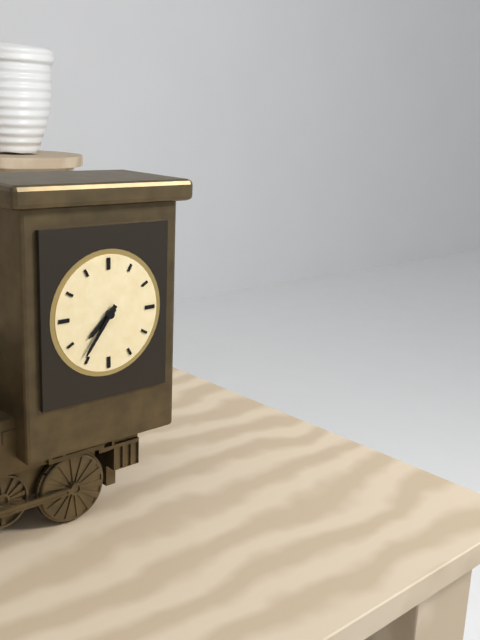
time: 7:36
